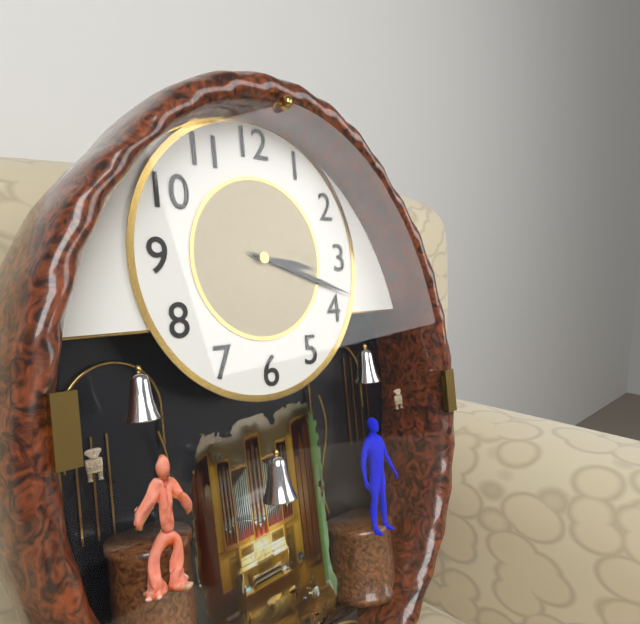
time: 3:18
